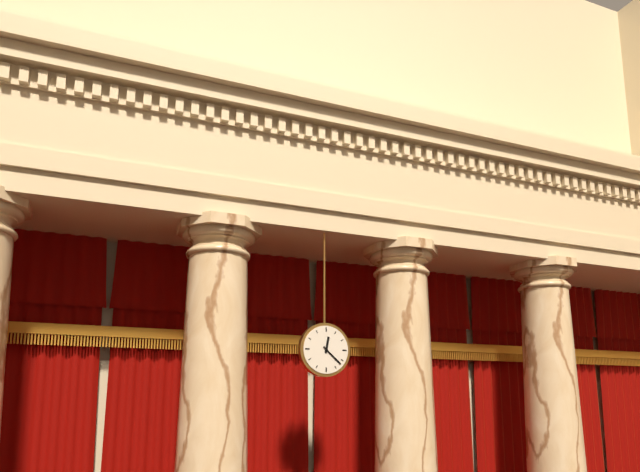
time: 12:22
